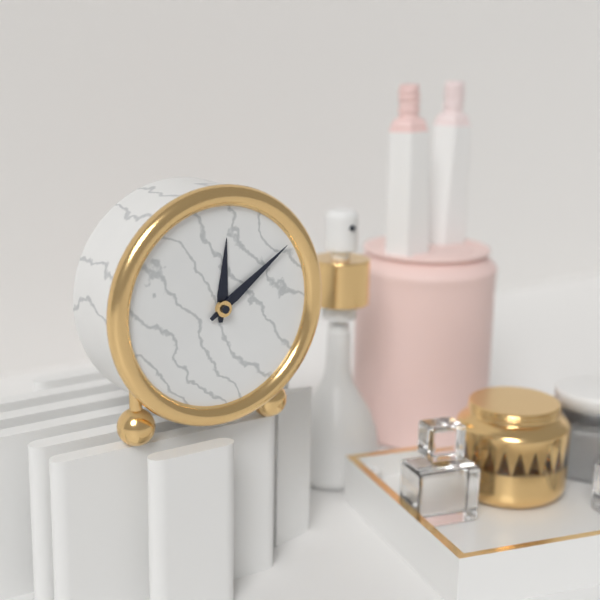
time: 12:09
